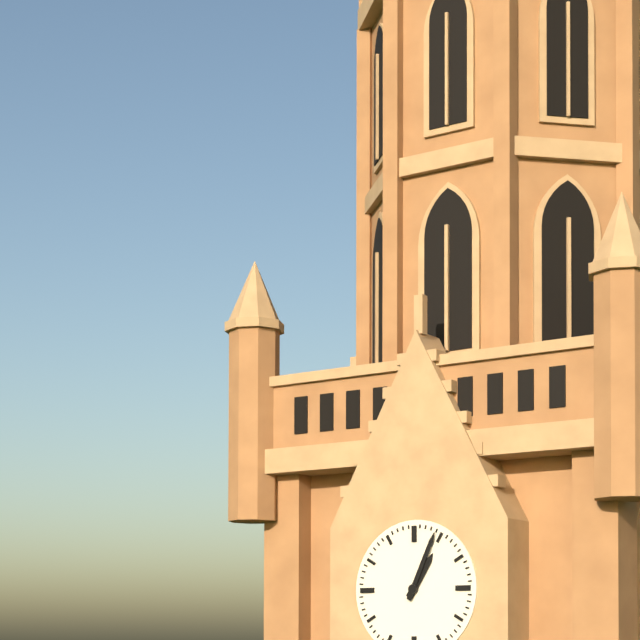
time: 1:04
